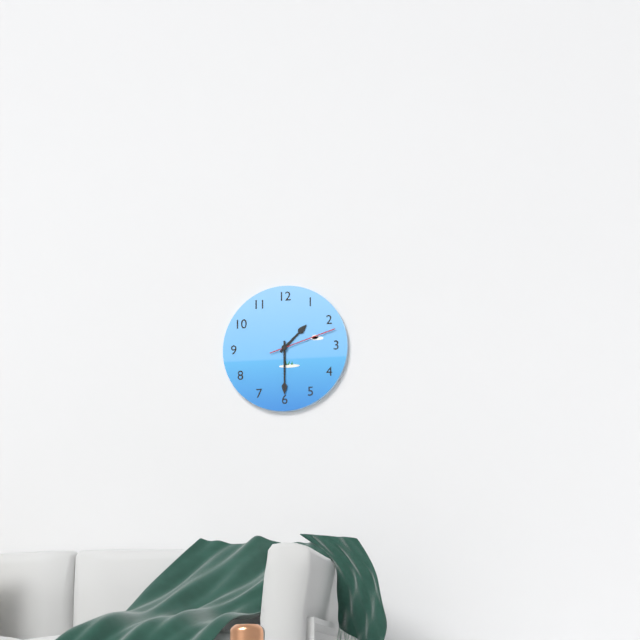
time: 1:30:12
